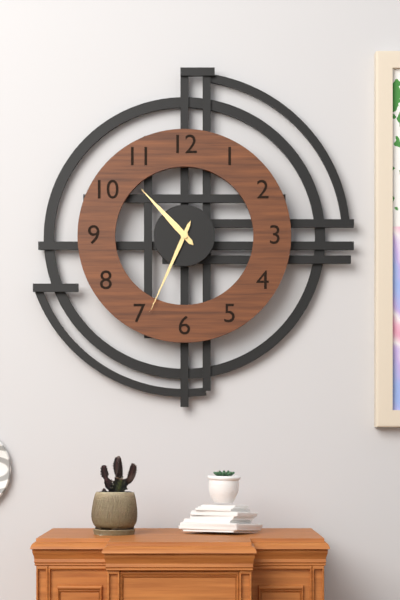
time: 10:34
